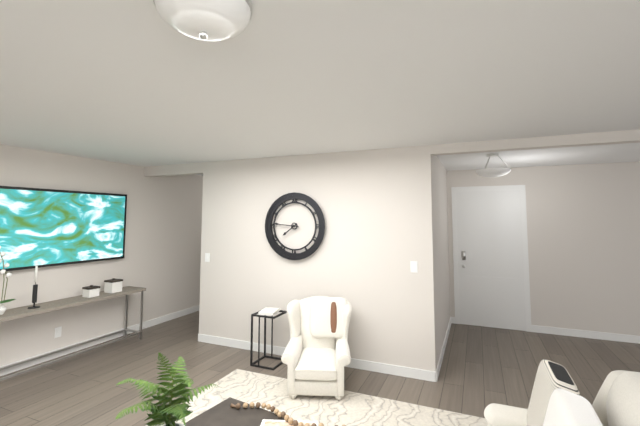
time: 7:46
